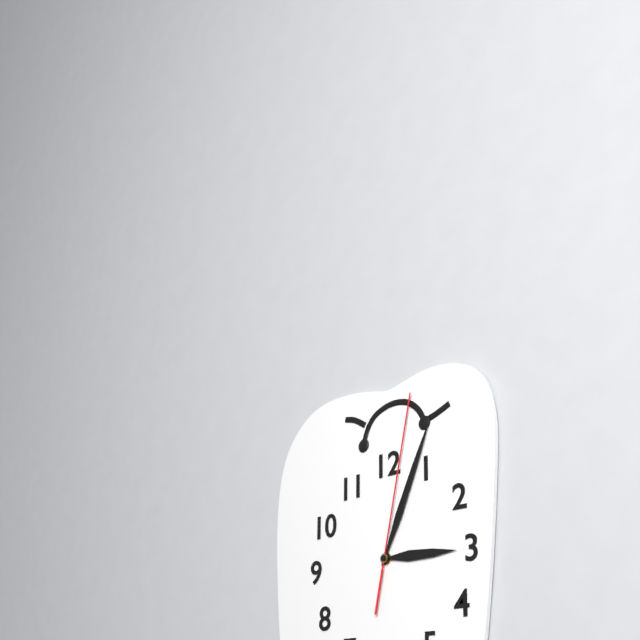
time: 3:04:02
